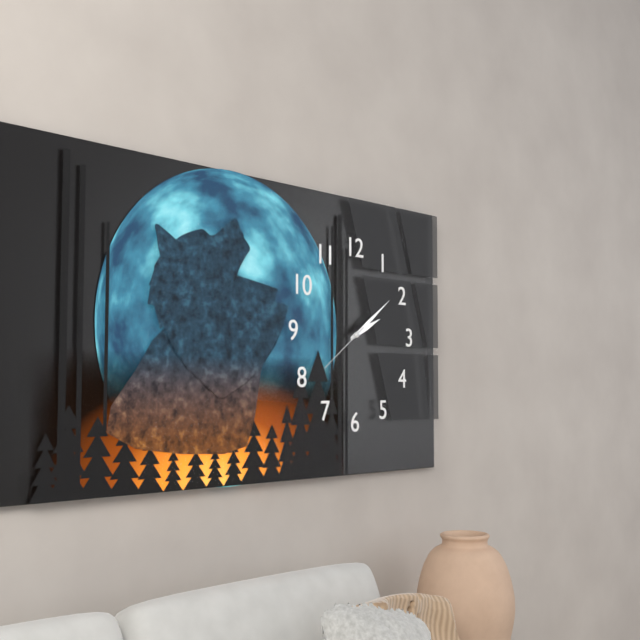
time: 2:09
